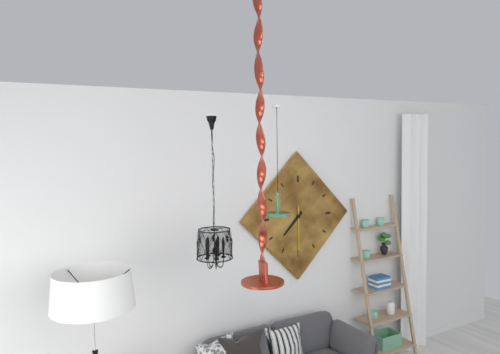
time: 7:30
